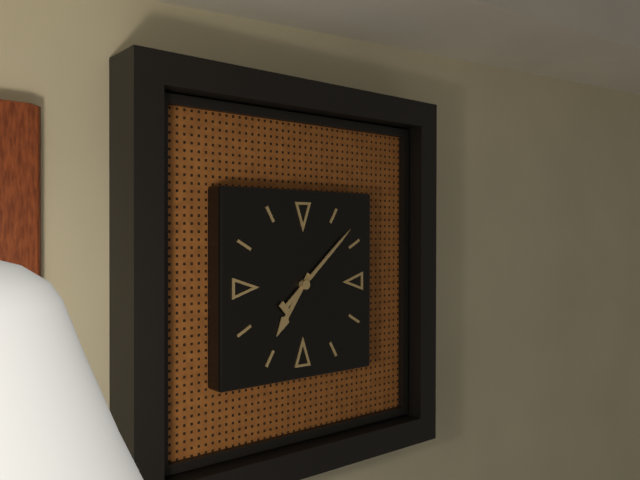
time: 7:08
